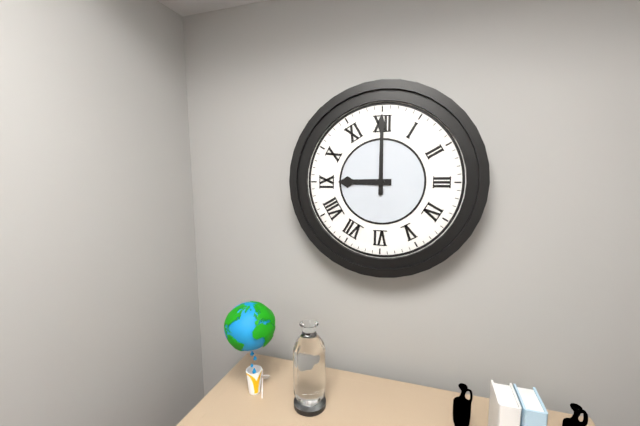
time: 9:00
